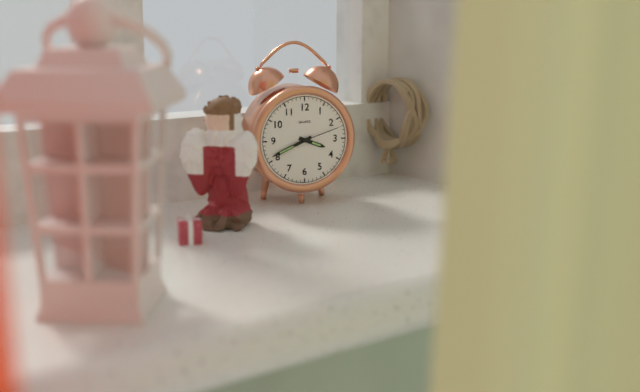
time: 3:41:12
